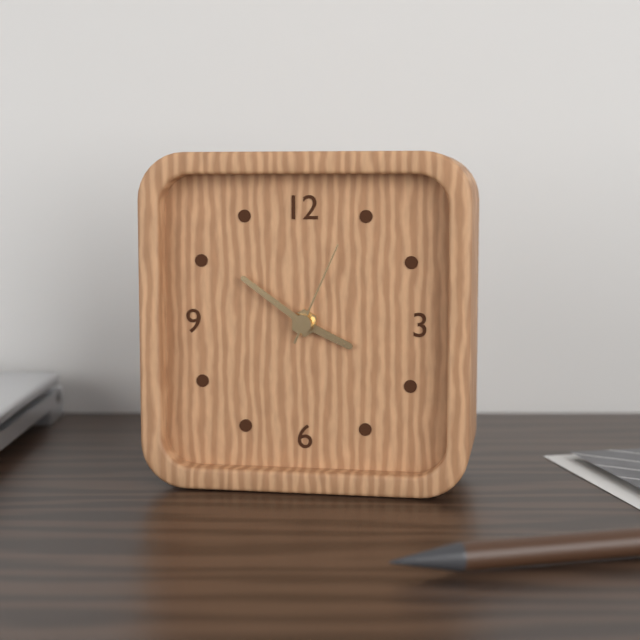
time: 3:51:04
